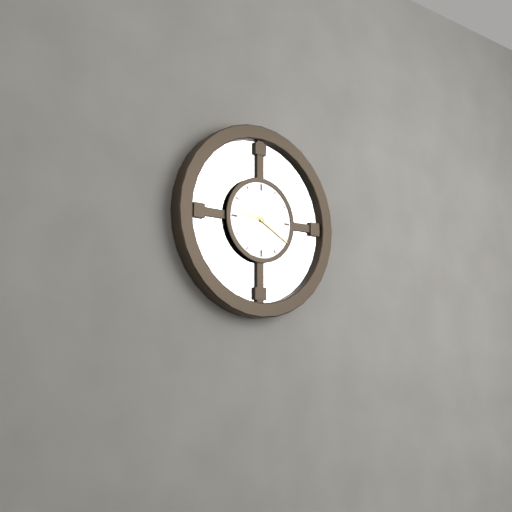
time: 9:20
